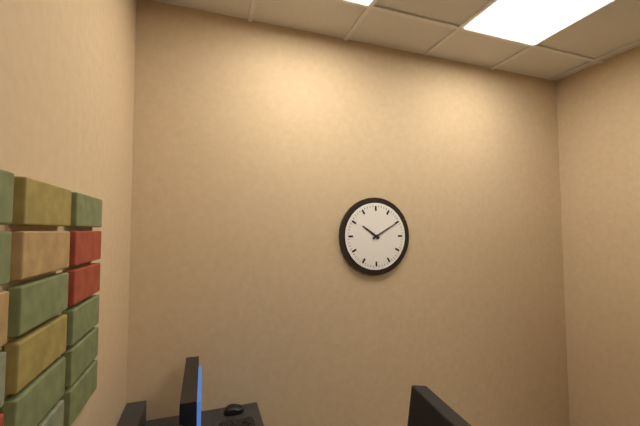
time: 10:10
